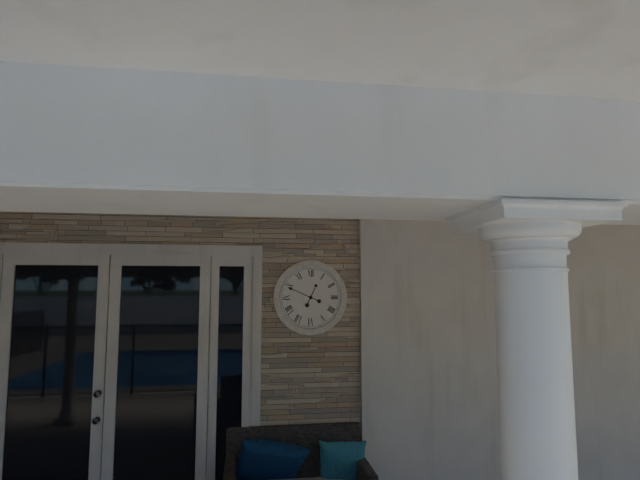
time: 12:49
